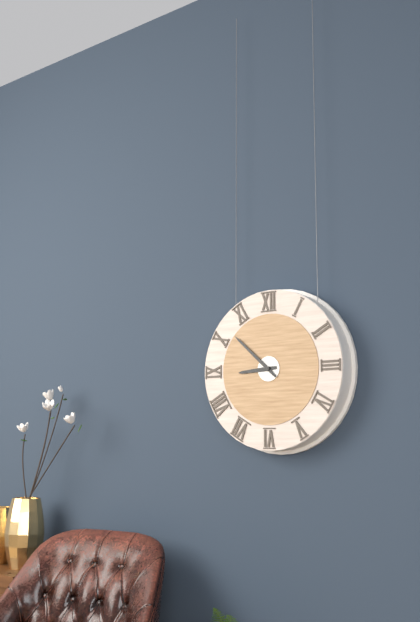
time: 8:52
